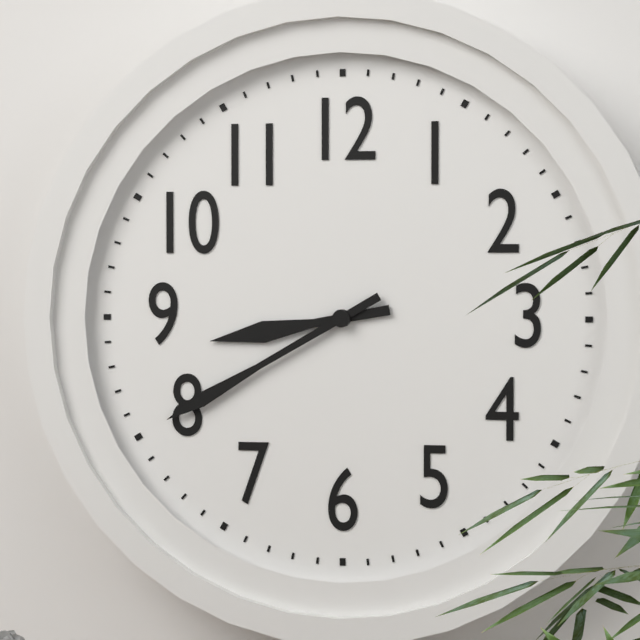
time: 8:40
